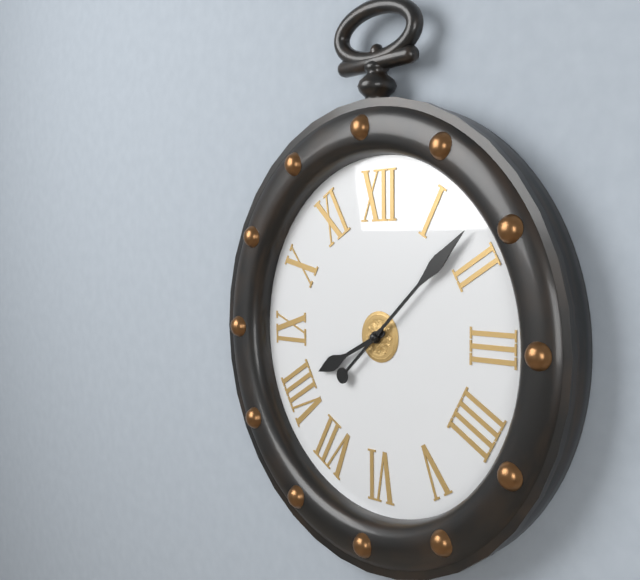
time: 8:08
